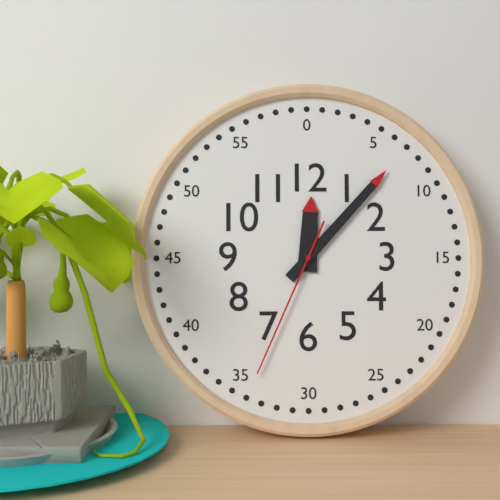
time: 12:07:34
